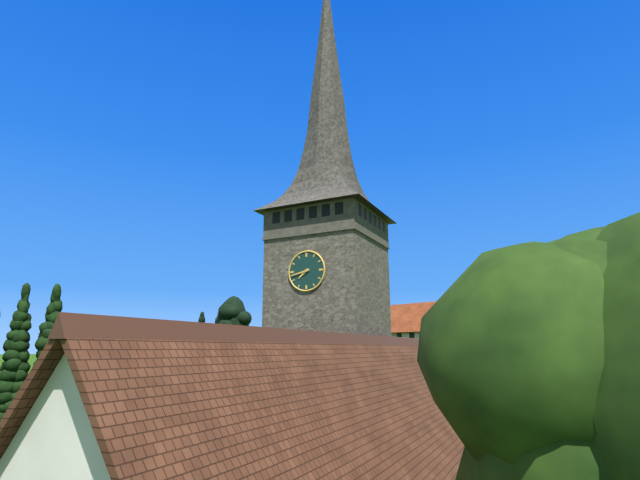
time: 7:43
